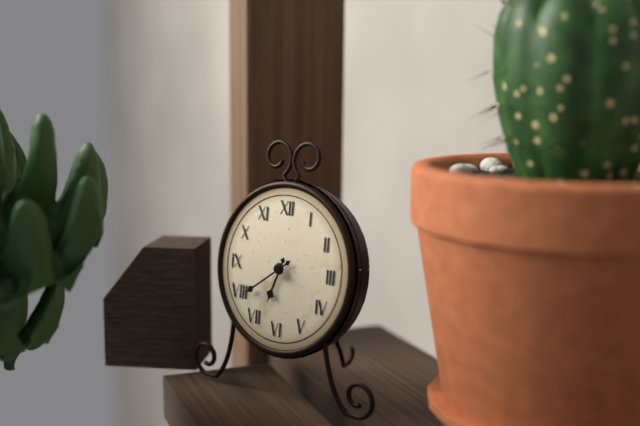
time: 6:39
